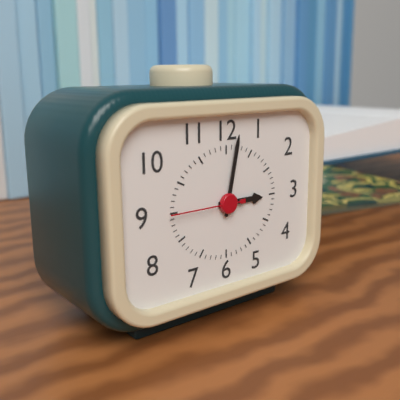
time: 3:02:45
